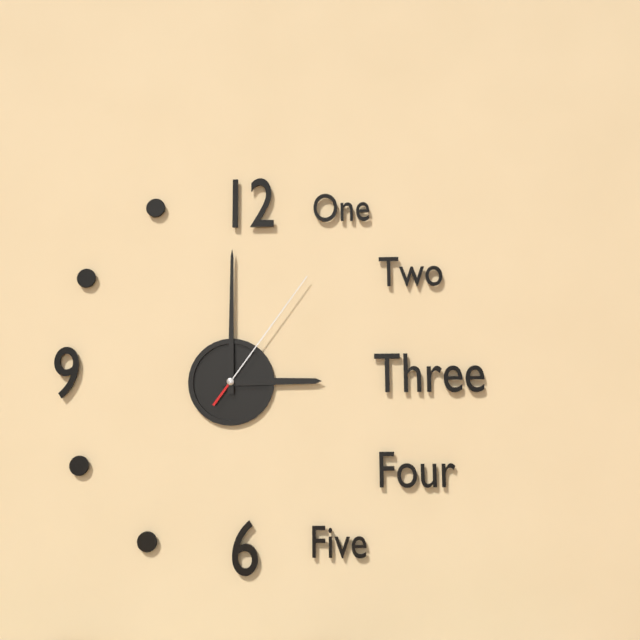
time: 3:00:06
